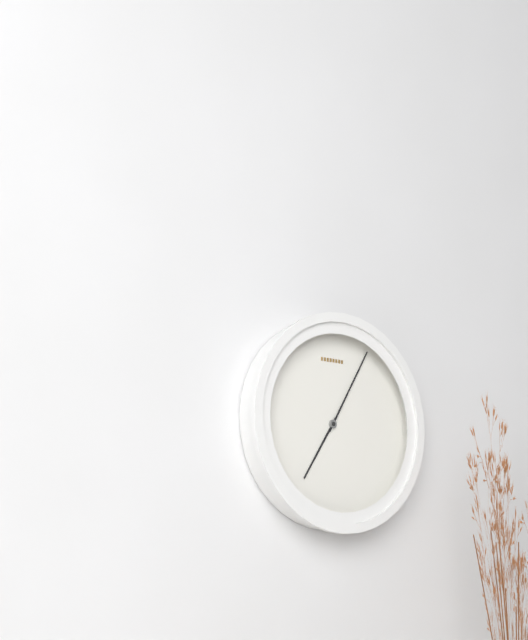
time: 7:05
